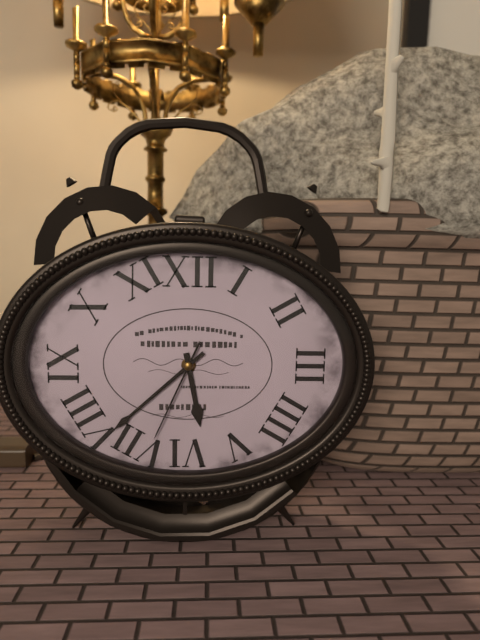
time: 5:38:34
